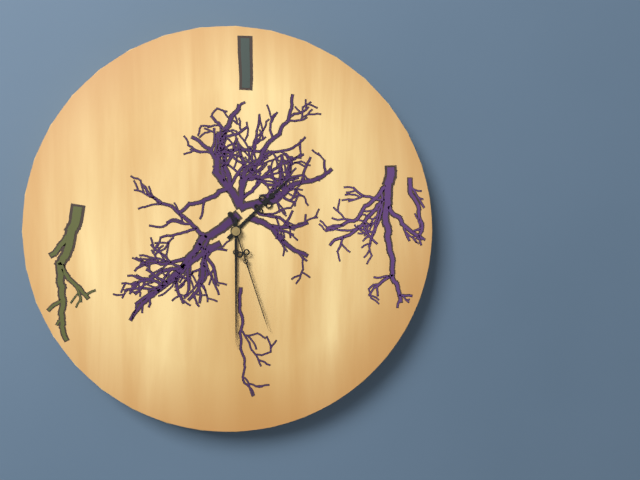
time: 1:30:27
